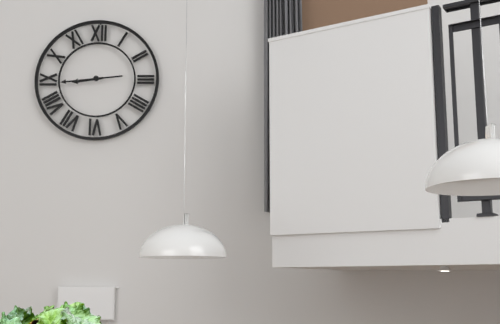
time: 8:44
